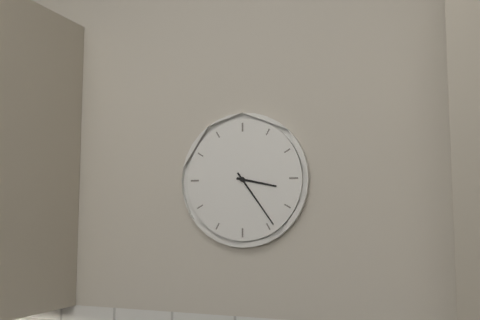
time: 3:24
